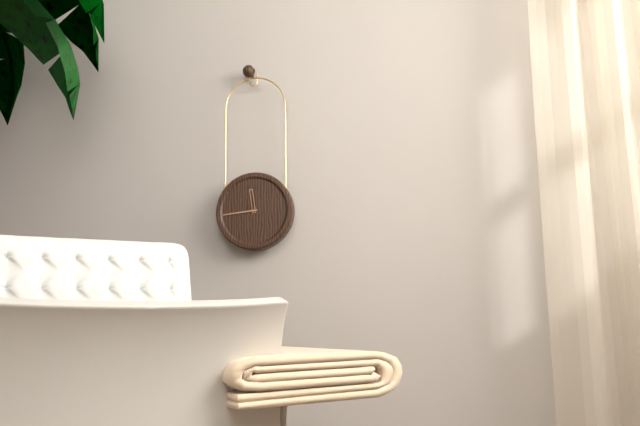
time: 11:44
